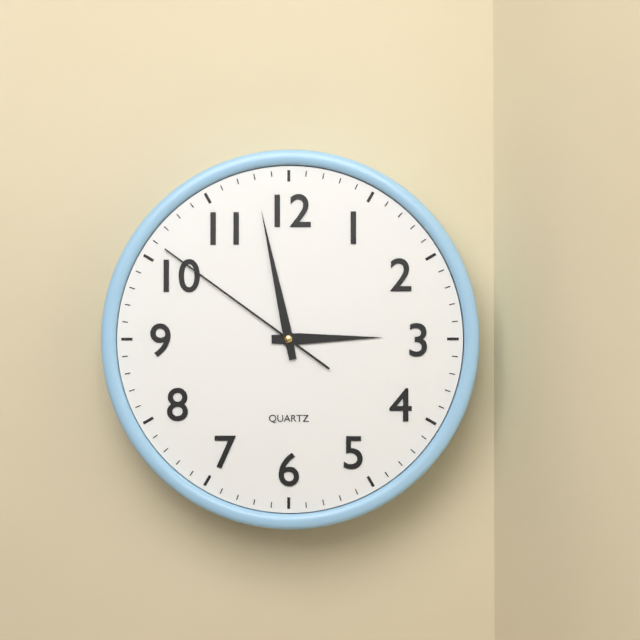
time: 2:58:51
